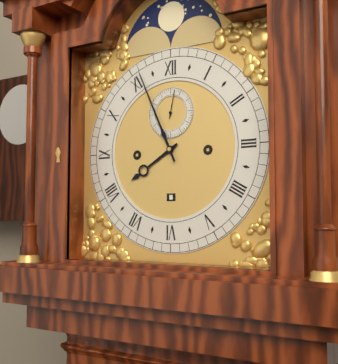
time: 7:56
